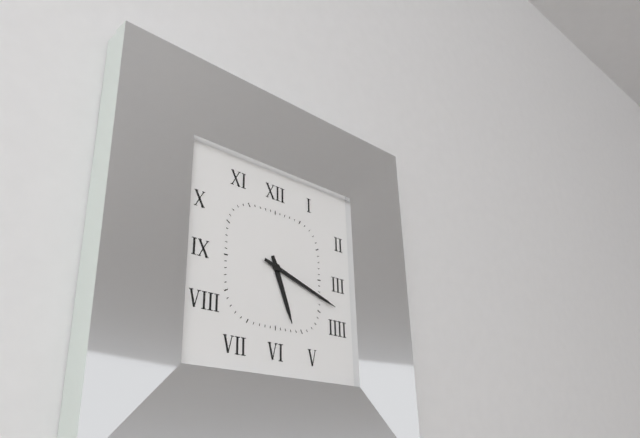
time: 5:18
